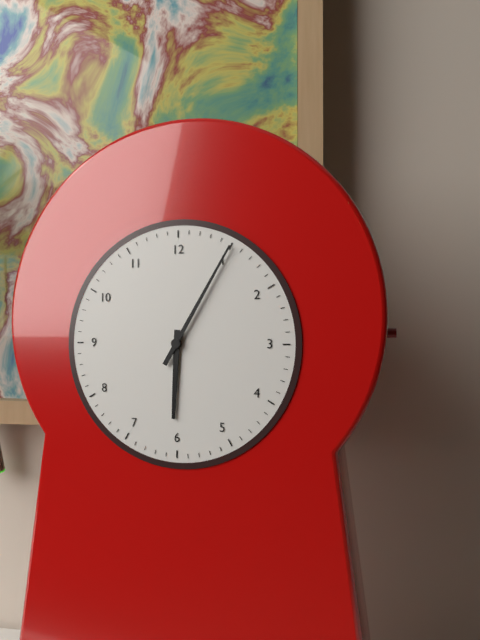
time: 6:05
